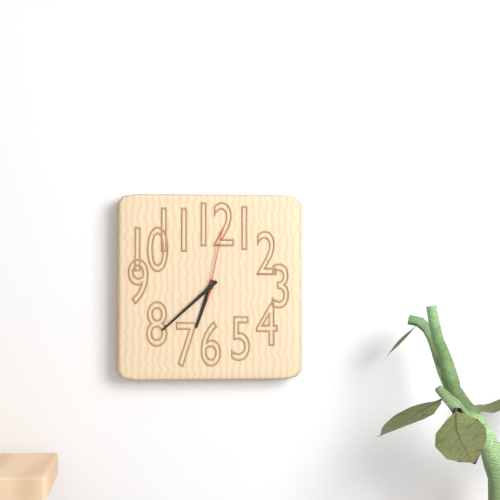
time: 6:38:02
